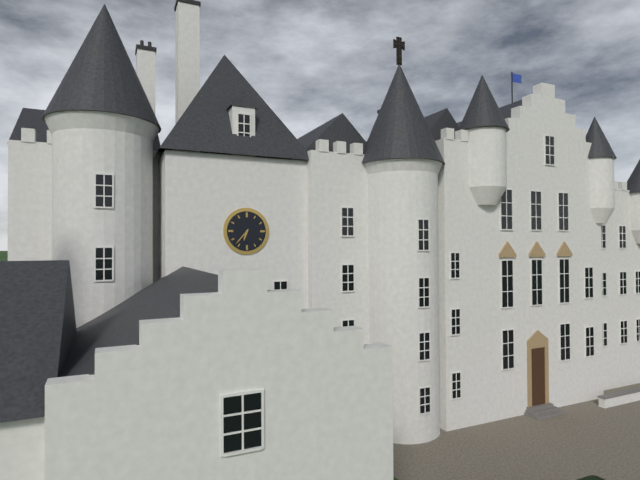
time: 6:37
